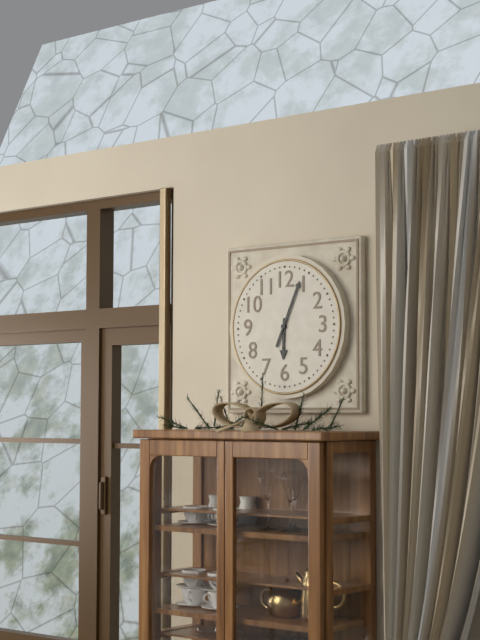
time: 6:04
